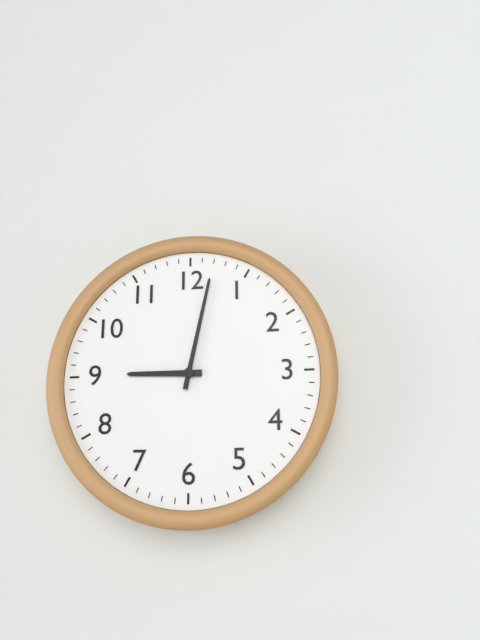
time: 9:02
